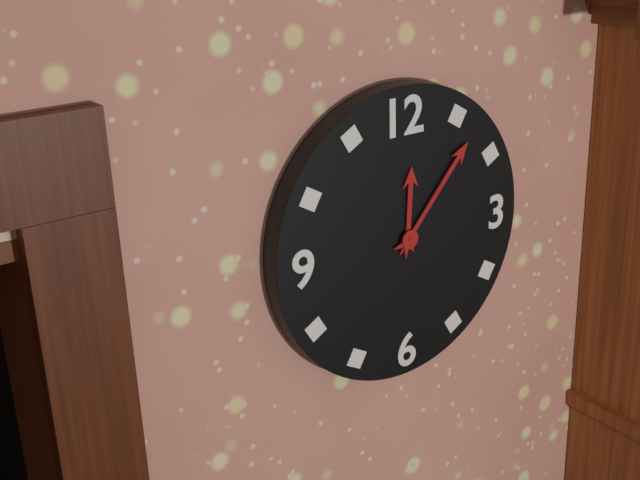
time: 12:07
